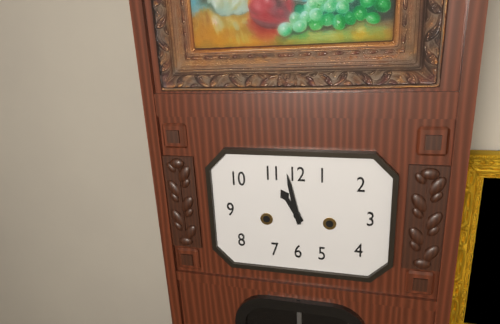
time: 10:58
